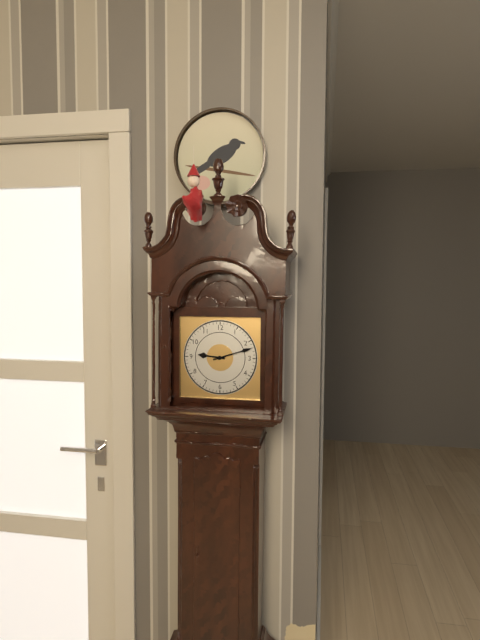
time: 9:12
